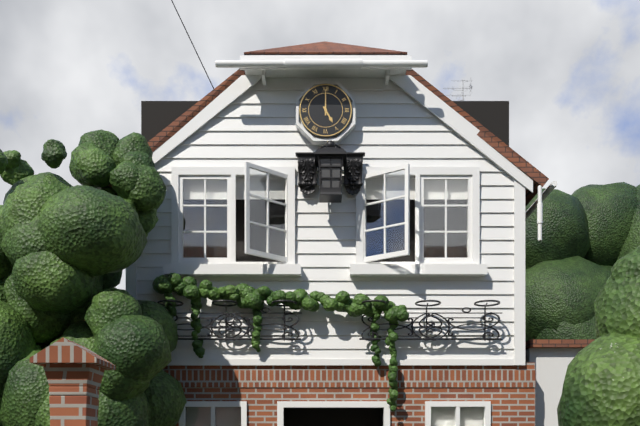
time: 5:00
